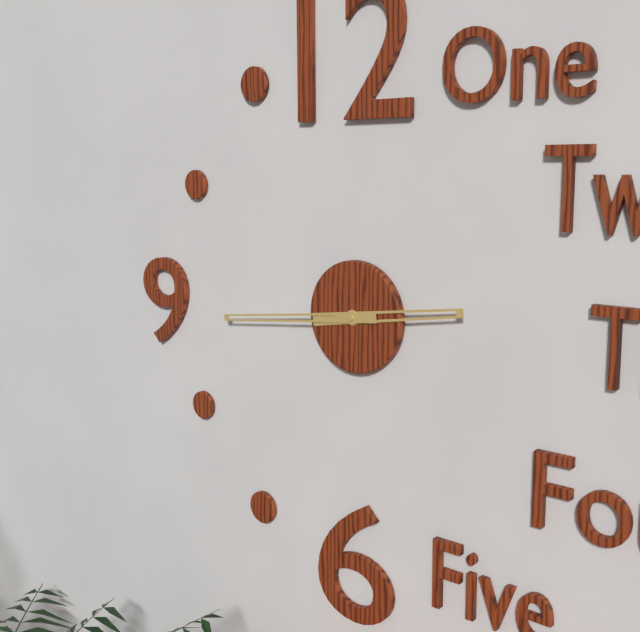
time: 2:44
